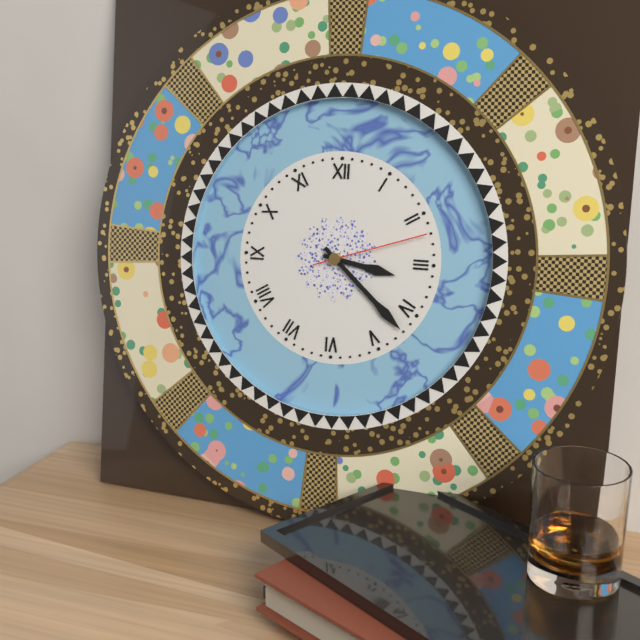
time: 3:22:12
